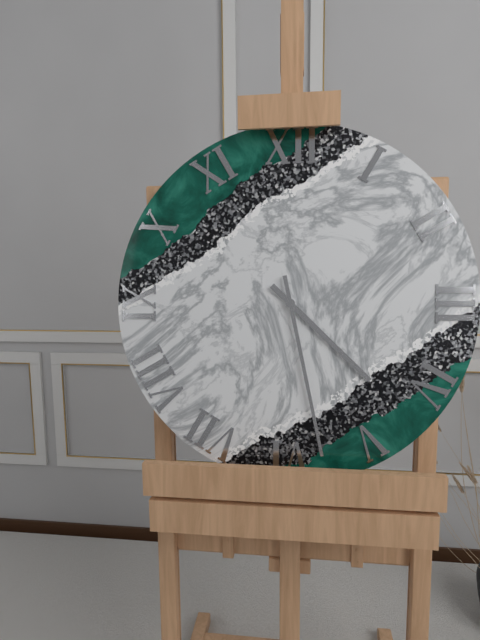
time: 4:28
